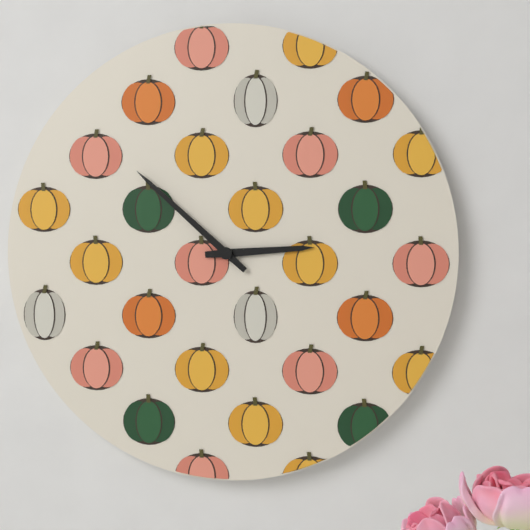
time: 2:52
